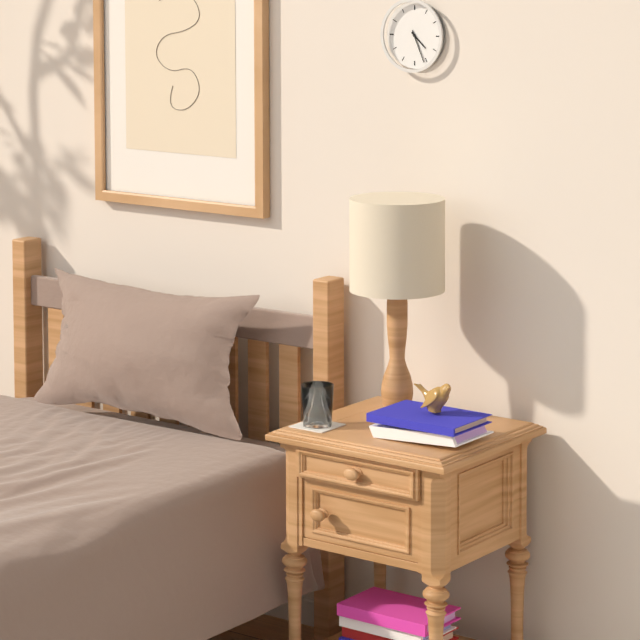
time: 4:26
